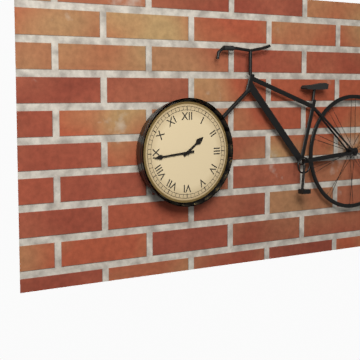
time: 1:44
